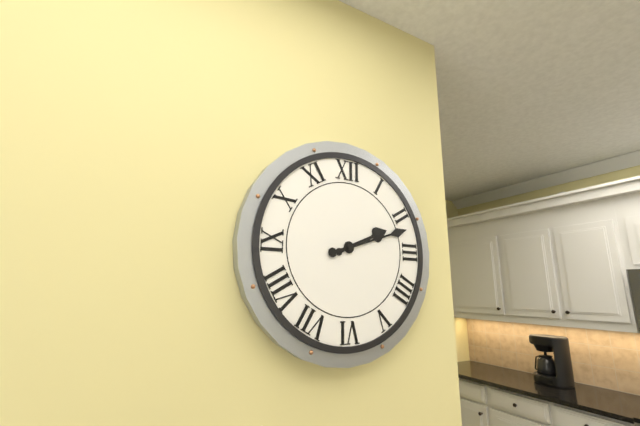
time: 2:12
